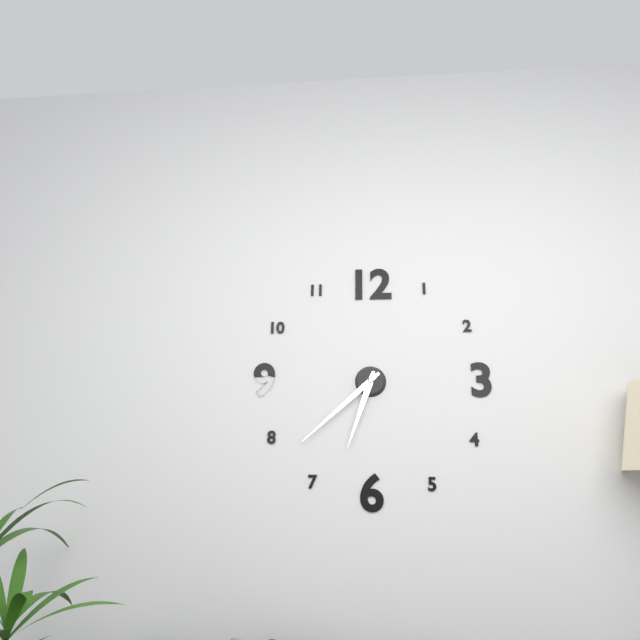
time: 6:38
